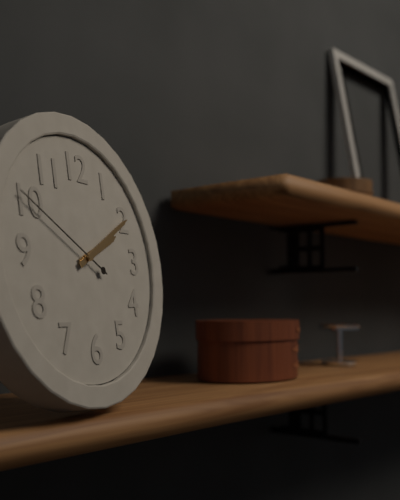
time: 2:10:50
